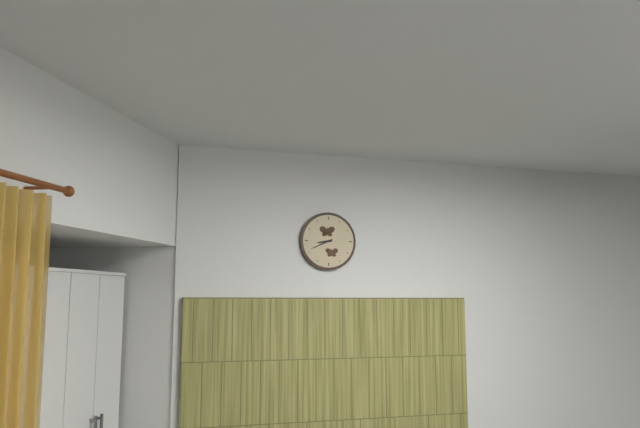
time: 8:41
